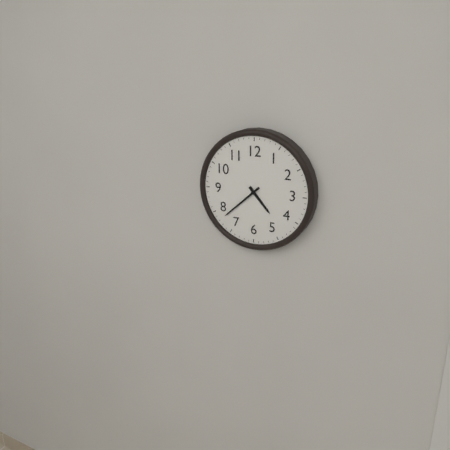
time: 4:38
